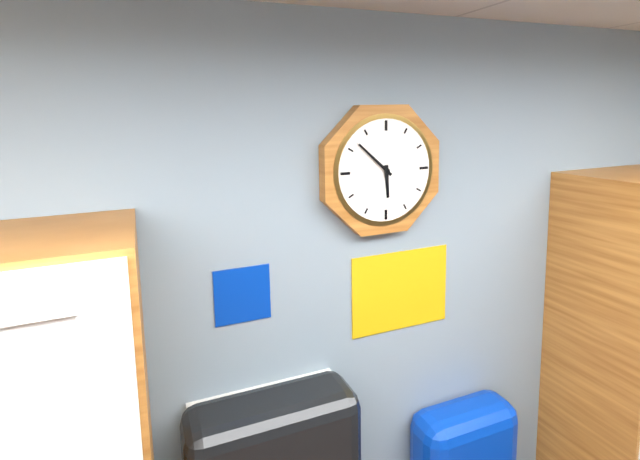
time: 5:52
